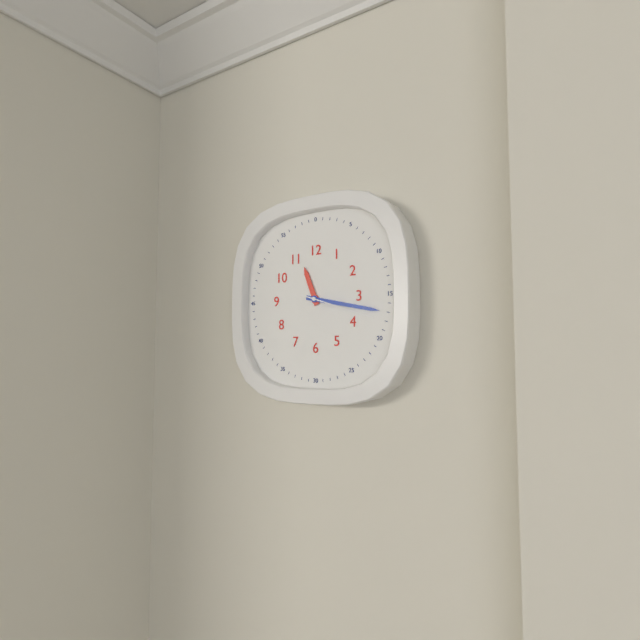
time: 11:17:18
